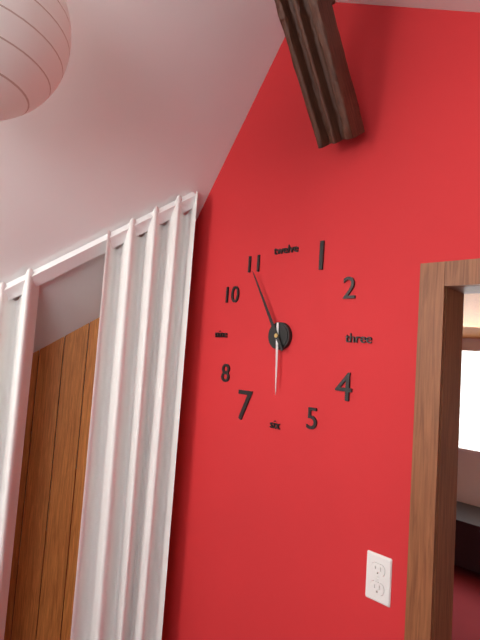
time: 5:55
